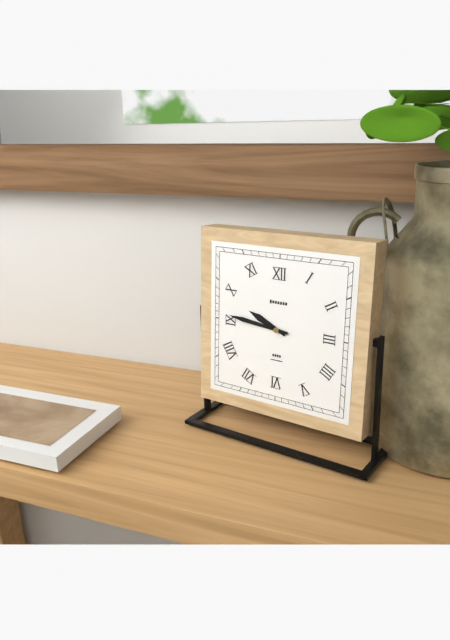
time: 9:46
